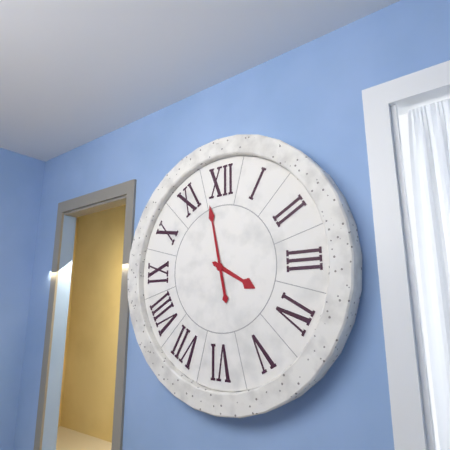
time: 3:58
